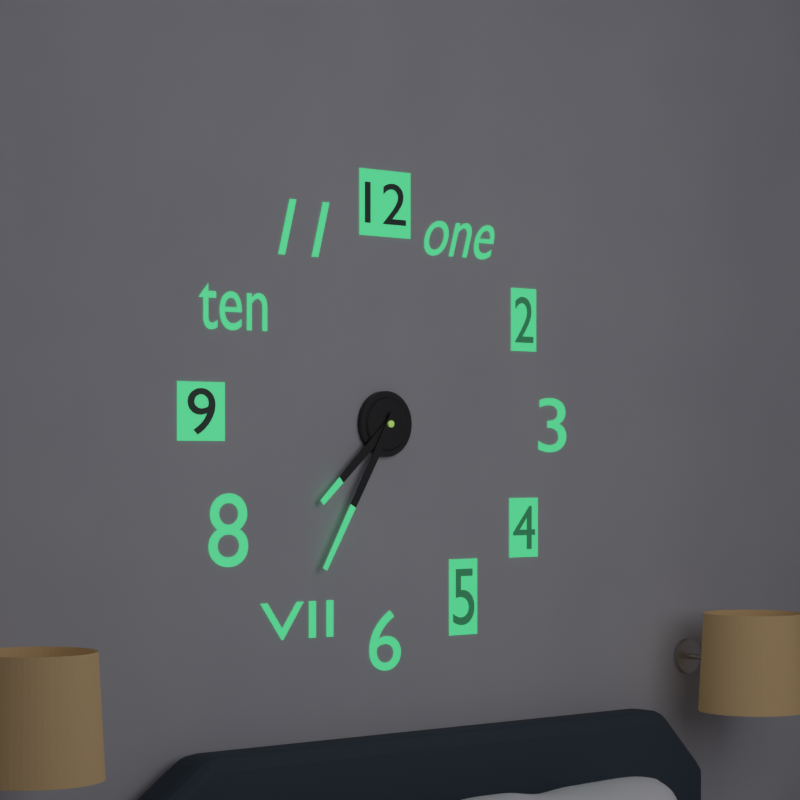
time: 7:35
